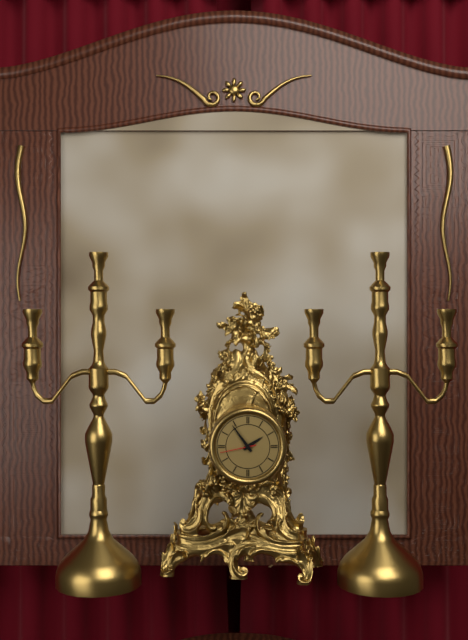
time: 1:54
